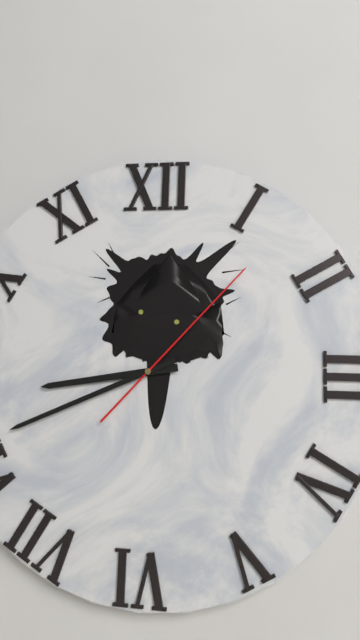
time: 8:41:07
